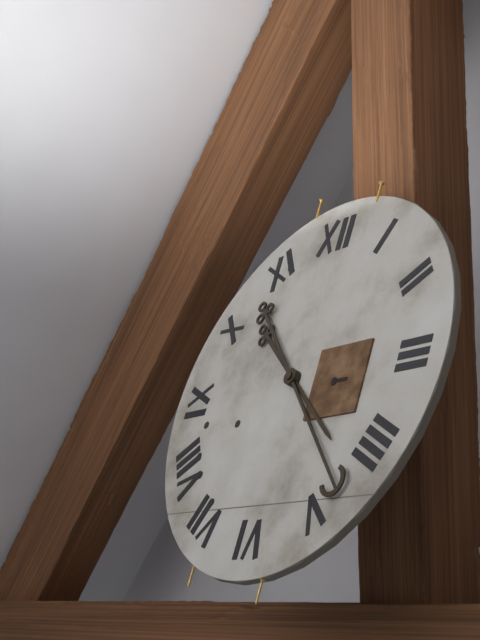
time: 4:23
